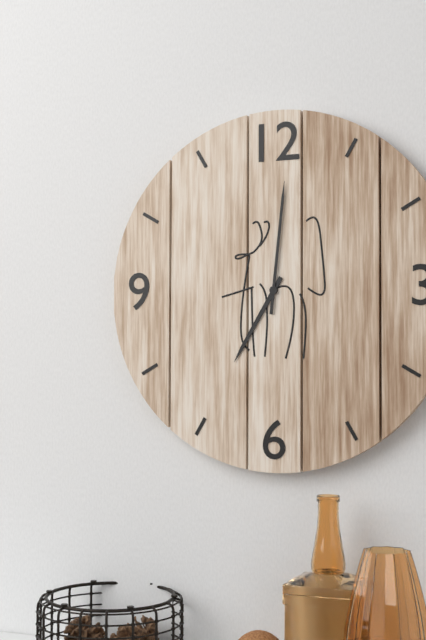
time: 7:01
